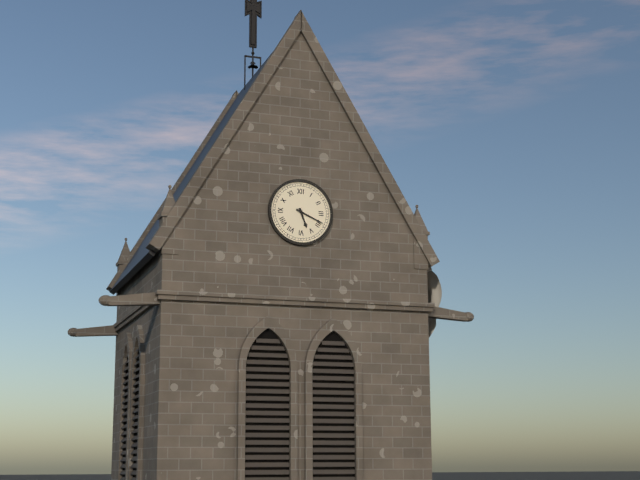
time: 5:19
